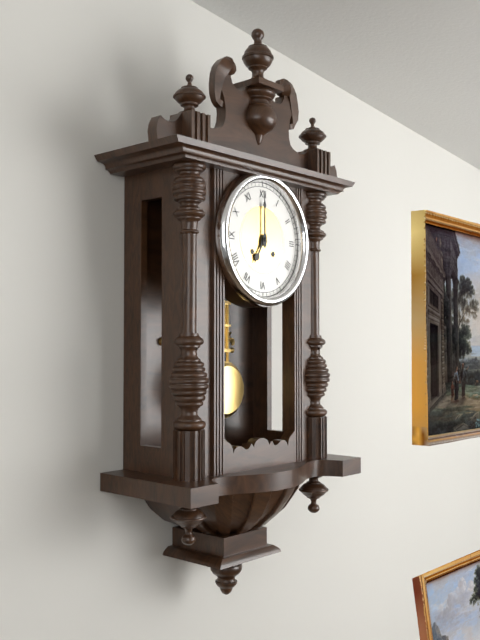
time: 7:00
